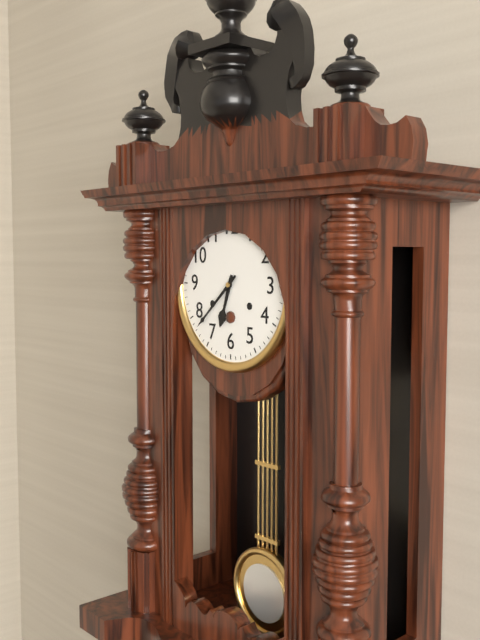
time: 6:38
